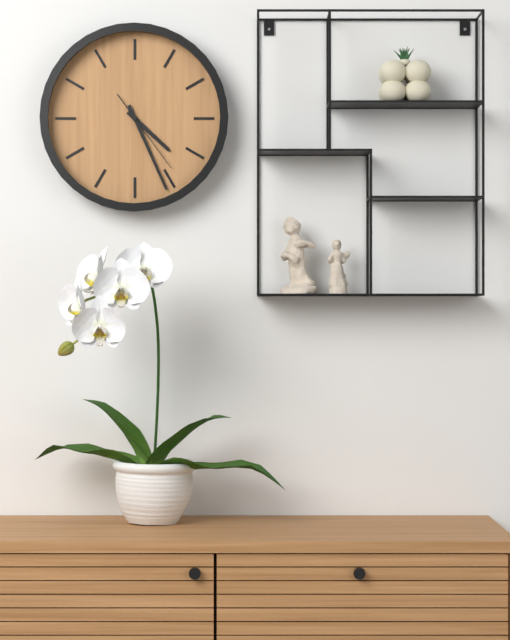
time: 4:26:24
